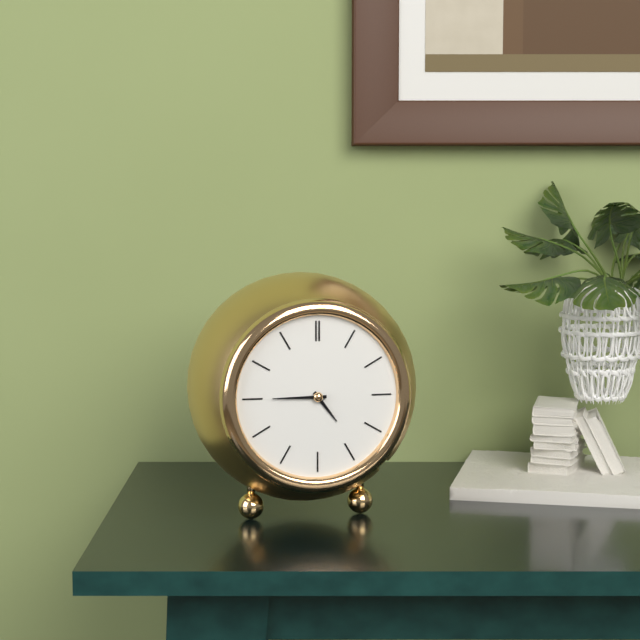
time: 4:45
